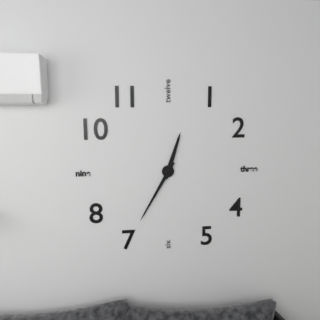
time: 12:35
